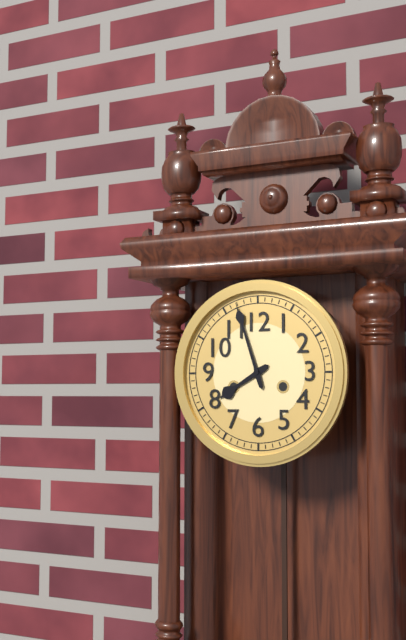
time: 7:57
